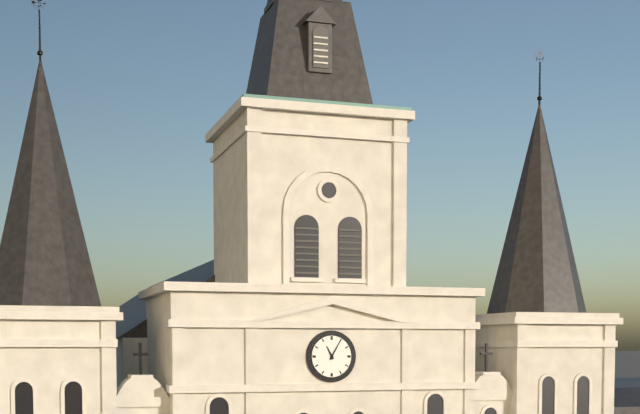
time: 11:05
